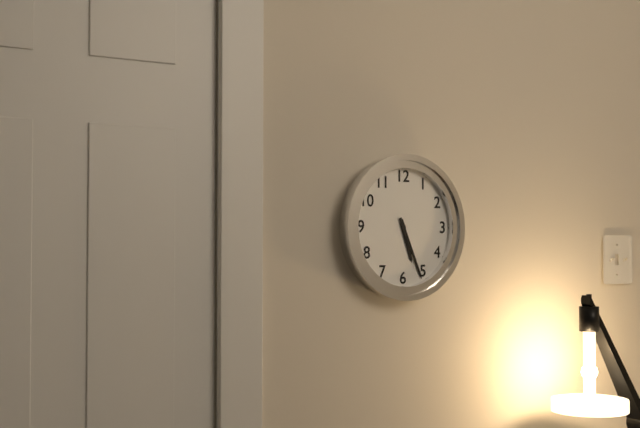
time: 5:26
